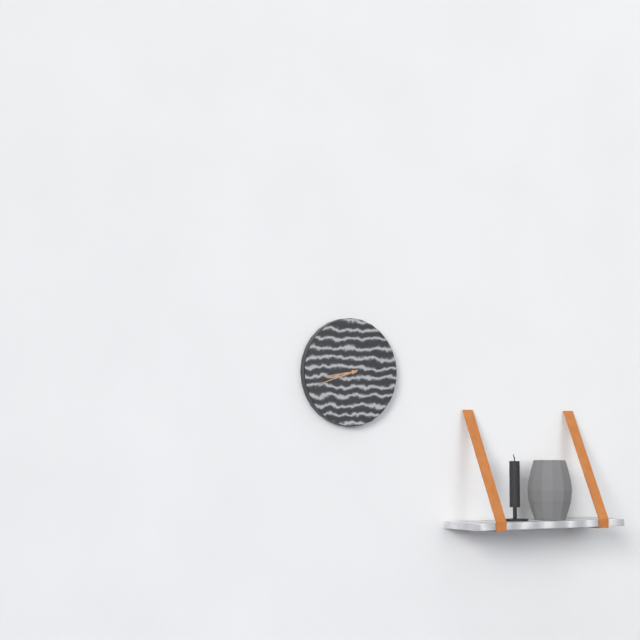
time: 8:42
